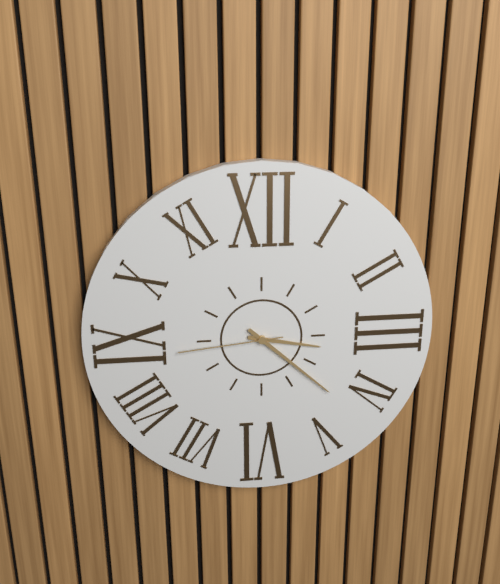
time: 3:22:44
